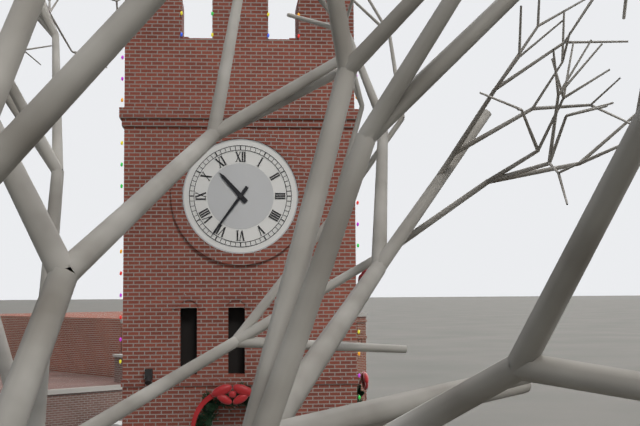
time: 10:36
